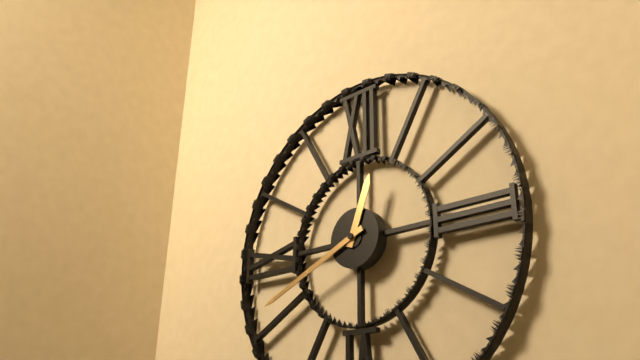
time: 12:41
